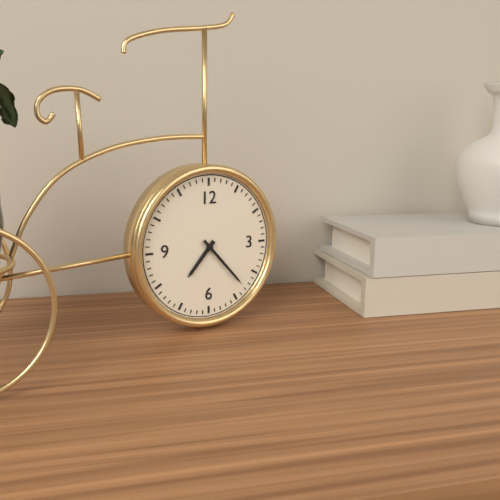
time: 7:23
